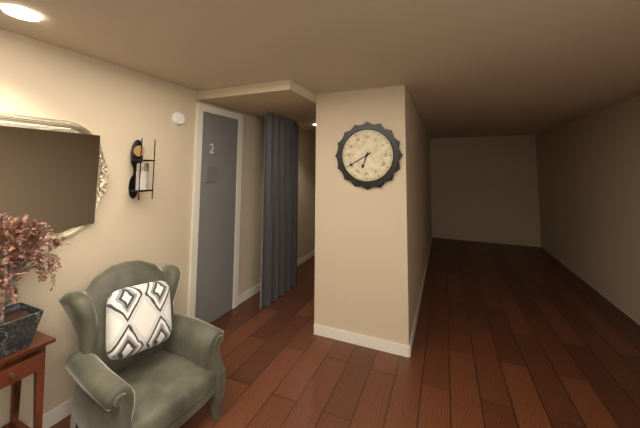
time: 6:40
